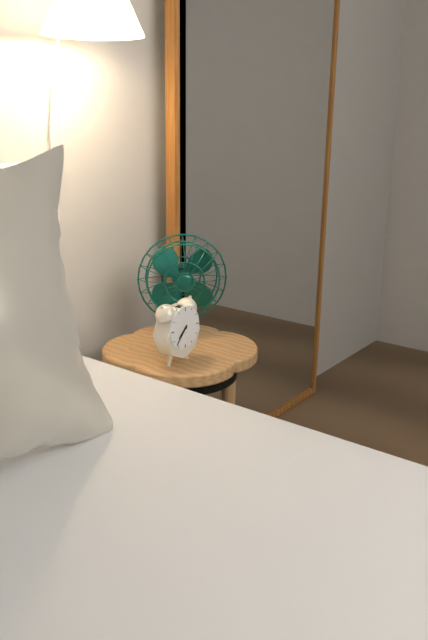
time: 7:37
